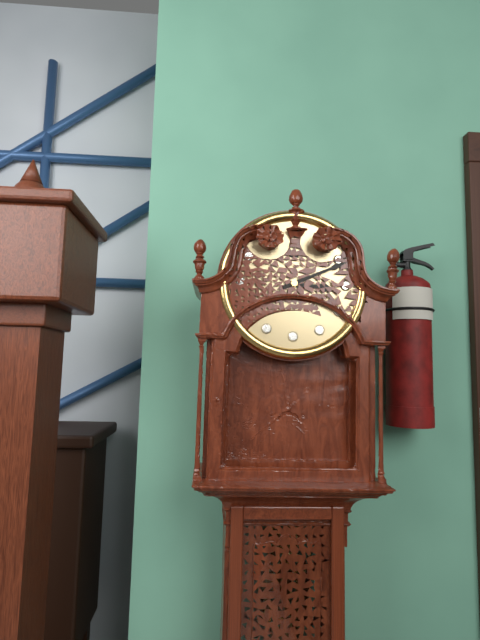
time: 3:11
